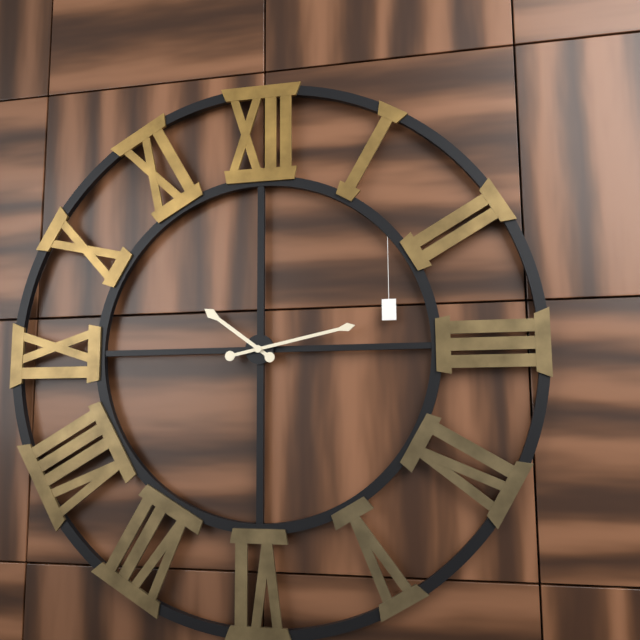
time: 10:13
